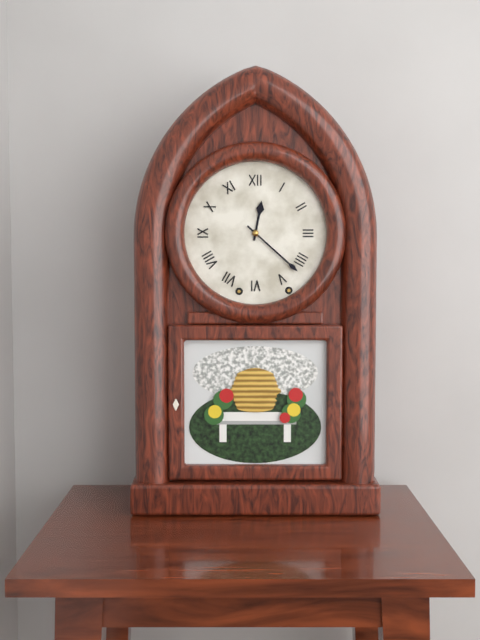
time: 12:22
